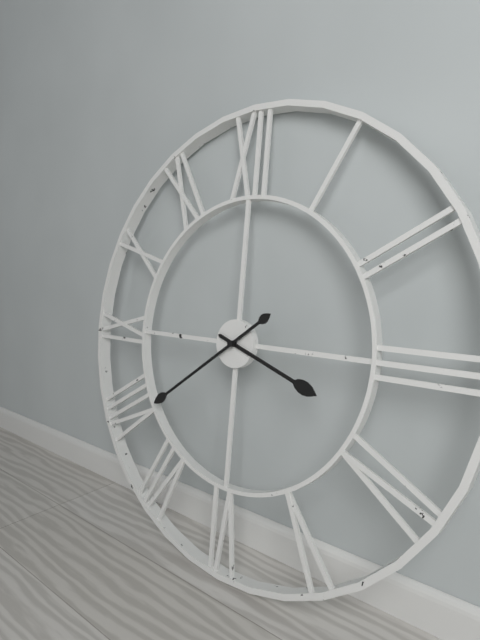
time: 3:39
